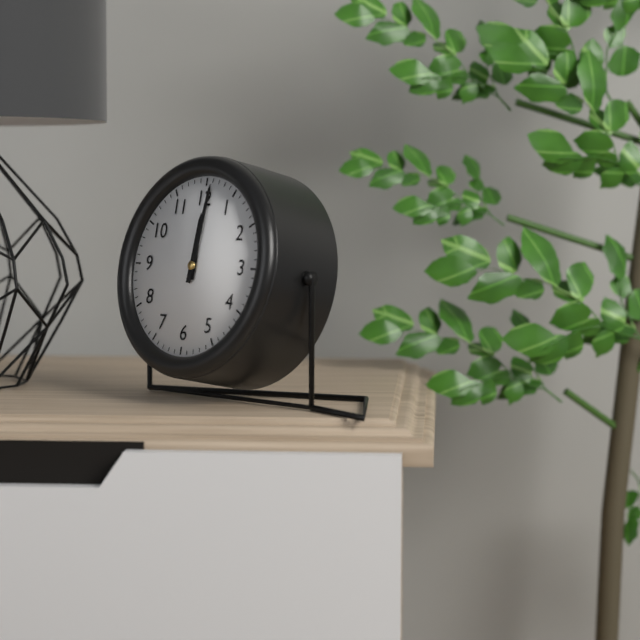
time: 12:01
